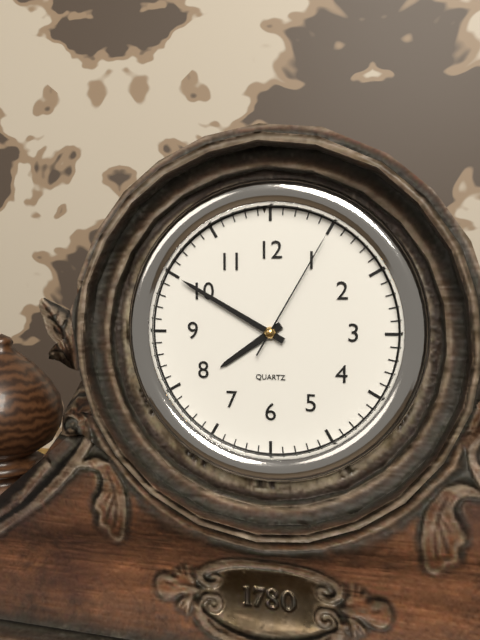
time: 7:50:05
